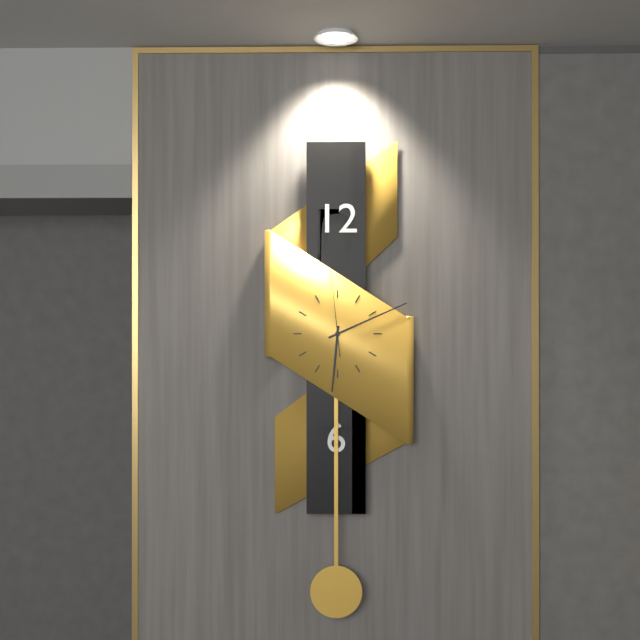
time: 6:11:59
